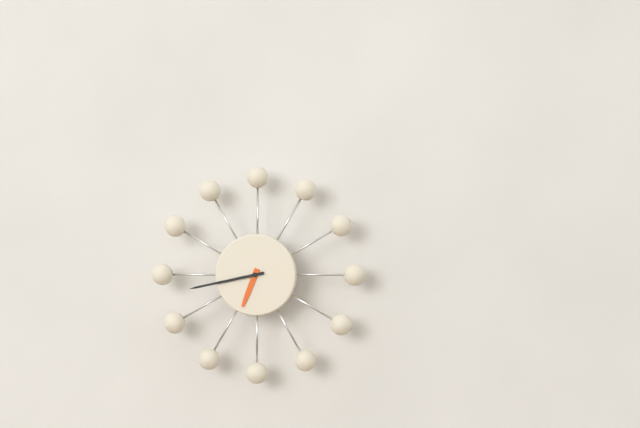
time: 6:43
